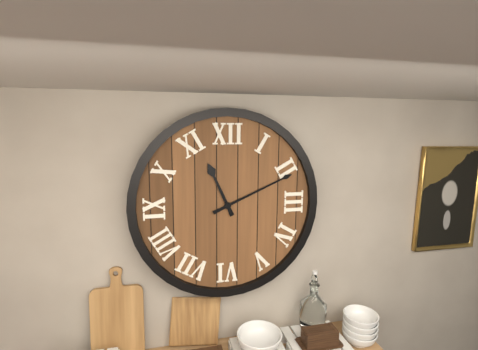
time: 11:11
